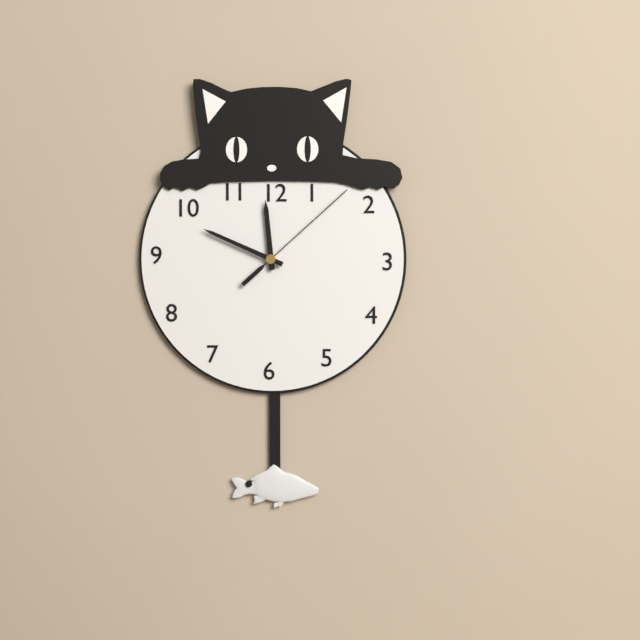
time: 11:49:08
